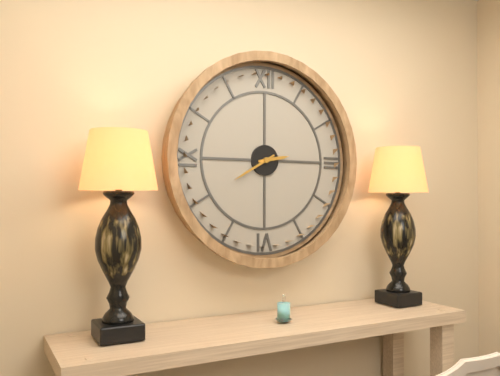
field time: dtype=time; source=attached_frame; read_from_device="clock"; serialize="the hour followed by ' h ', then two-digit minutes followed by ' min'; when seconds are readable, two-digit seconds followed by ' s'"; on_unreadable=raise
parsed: 2 h 40 min
